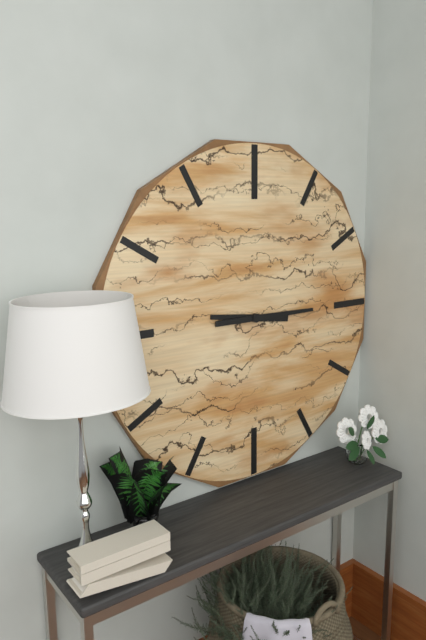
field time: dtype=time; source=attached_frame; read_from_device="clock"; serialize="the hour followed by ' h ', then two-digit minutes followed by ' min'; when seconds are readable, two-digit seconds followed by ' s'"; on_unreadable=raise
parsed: 9 h 15 min
